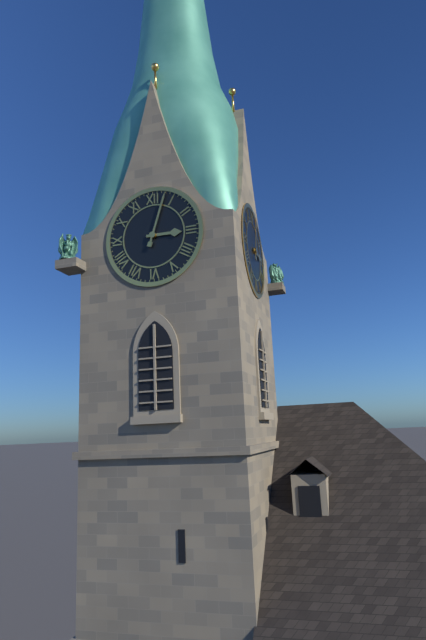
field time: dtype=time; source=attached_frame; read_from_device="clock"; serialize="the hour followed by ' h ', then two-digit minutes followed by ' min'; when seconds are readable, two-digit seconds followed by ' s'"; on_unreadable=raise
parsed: 3 h 03 min
